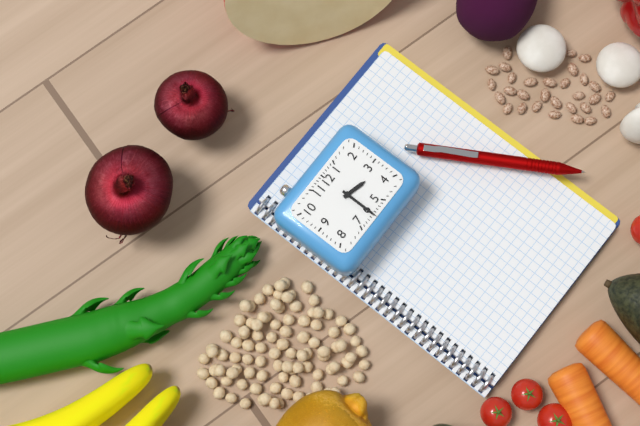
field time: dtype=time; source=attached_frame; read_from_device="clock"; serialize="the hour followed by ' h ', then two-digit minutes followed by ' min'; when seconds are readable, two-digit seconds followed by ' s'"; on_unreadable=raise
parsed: 3 h 30 min
